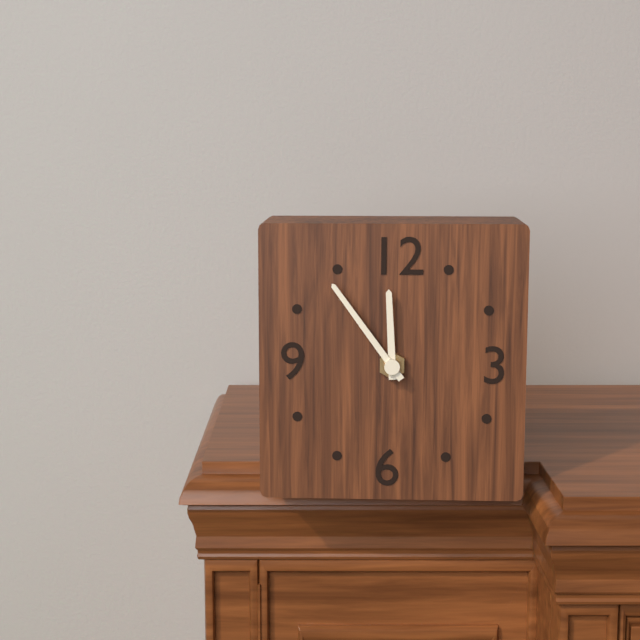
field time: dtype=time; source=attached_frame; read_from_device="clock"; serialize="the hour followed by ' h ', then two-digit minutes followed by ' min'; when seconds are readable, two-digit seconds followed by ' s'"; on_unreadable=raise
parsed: 11 h 54 min
